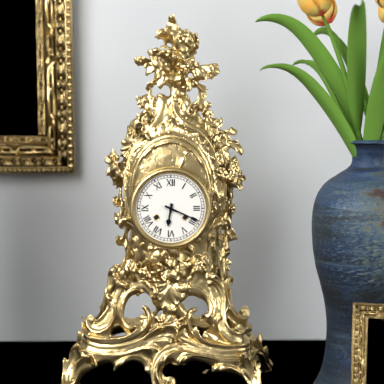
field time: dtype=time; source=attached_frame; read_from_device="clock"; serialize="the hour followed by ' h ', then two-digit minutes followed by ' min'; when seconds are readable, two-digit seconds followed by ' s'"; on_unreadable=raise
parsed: 6 h 19 min
